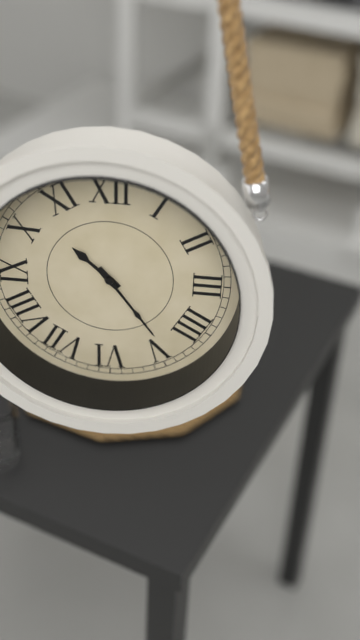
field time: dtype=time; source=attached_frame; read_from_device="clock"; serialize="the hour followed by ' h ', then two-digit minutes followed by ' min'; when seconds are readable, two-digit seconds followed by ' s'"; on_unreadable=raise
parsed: 10 h 24 min
